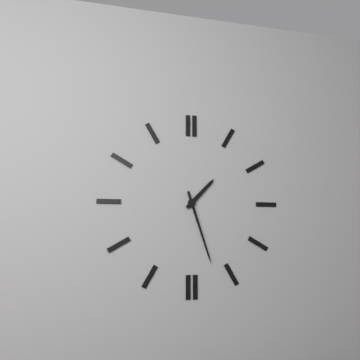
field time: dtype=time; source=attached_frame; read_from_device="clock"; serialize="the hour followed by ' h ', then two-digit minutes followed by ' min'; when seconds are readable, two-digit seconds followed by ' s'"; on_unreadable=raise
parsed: 1 h 27 min
